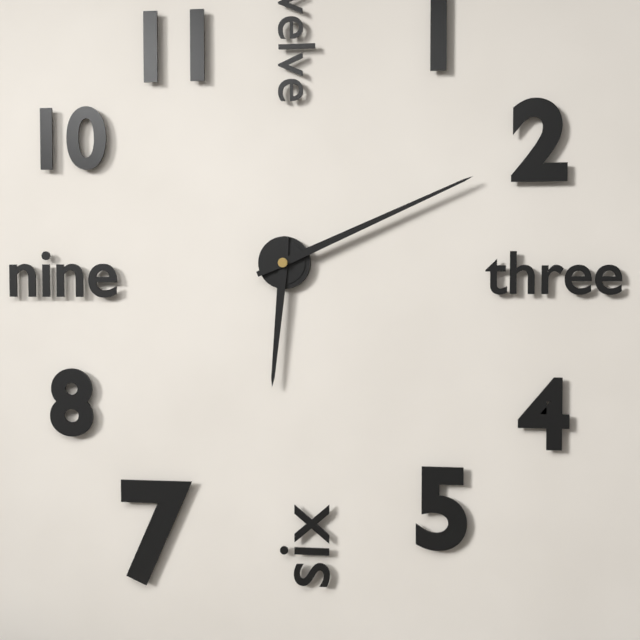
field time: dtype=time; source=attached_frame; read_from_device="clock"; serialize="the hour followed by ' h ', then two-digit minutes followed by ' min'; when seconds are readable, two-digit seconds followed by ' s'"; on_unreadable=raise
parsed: 6 h 11 min
